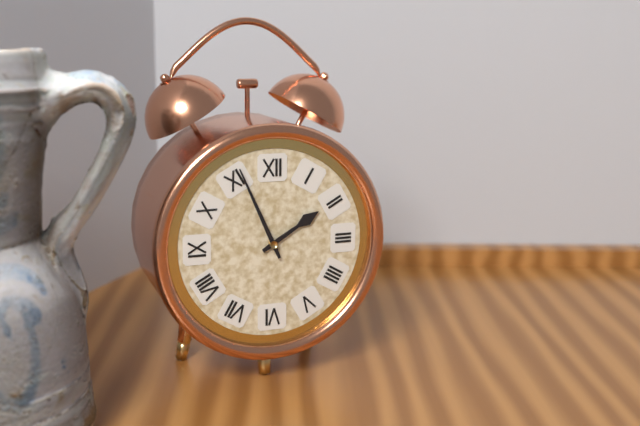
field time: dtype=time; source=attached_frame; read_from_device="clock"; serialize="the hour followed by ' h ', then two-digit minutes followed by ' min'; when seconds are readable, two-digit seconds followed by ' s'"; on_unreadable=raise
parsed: 1 h 56 min
